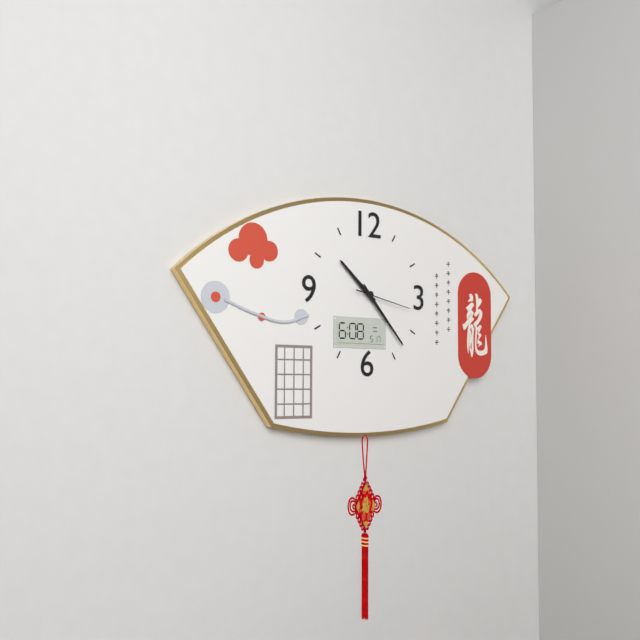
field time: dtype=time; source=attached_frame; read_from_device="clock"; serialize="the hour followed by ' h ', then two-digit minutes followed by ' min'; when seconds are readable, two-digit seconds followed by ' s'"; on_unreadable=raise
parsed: 10 h 23 min 17 s
